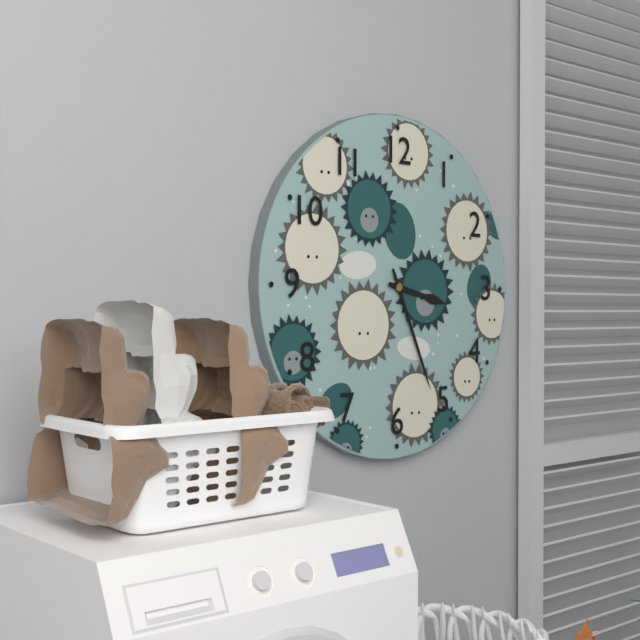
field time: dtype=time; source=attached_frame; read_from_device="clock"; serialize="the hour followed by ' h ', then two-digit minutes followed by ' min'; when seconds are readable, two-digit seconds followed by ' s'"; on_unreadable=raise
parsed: 3 h 26 min
